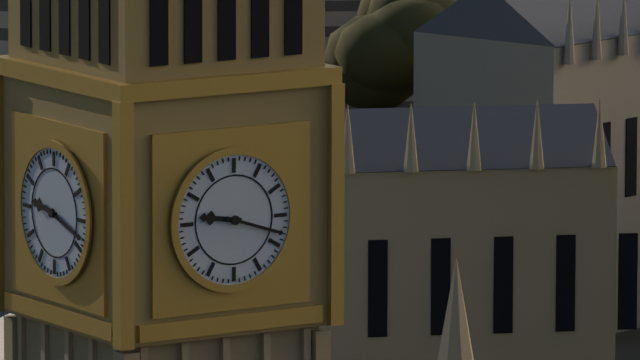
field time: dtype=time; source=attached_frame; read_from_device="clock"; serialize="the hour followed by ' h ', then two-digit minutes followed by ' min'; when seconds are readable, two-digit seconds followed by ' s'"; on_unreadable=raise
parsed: 9 h 18 min
